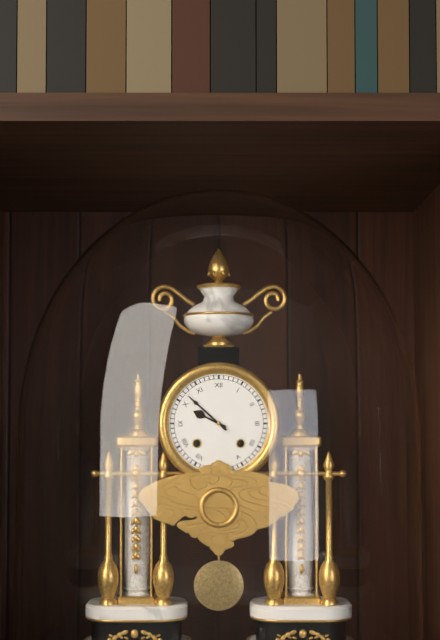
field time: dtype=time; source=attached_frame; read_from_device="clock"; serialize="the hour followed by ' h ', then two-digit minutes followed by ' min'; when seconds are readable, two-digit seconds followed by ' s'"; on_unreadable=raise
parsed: 9 h 52 min
